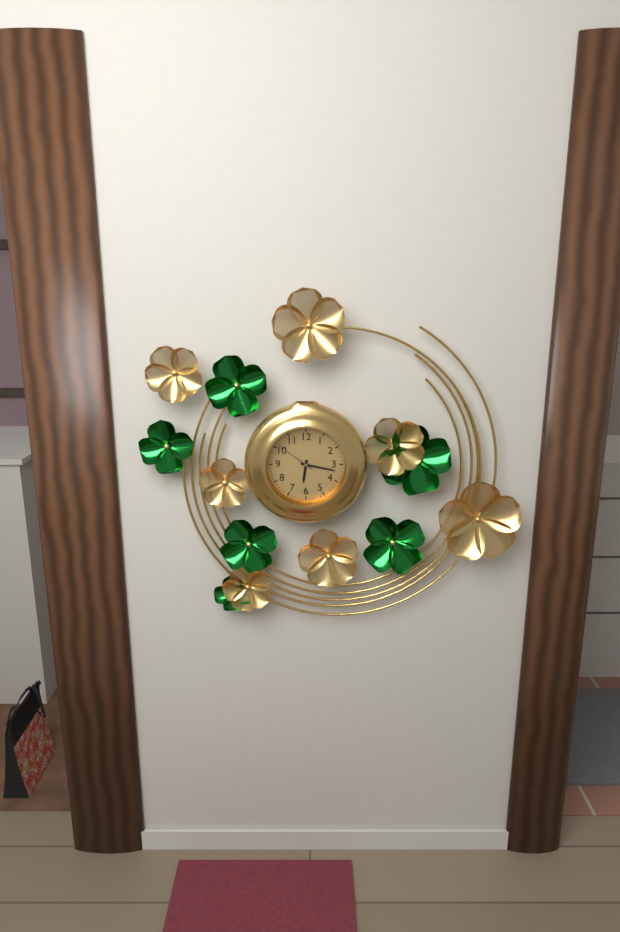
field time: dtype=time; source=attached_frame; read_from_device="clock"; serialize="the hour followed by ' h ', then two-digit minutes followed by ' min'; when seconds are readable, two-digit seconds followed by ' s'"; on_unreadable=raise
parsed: 6 h 17 min
